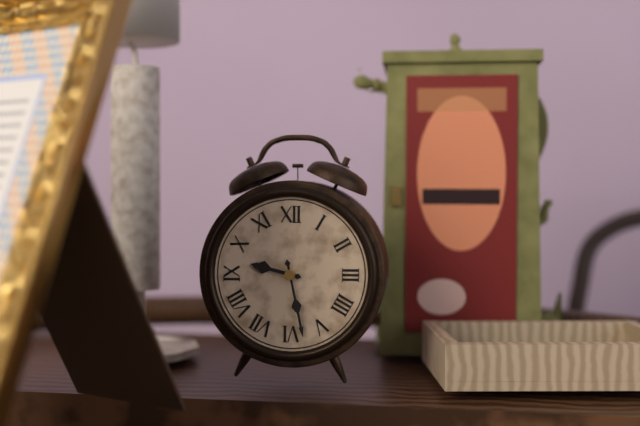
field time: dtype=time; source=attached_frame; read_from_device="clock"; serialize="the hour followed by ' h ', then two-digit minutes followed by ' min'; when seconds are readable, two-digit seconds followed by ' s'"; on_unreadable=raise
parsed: 9 h 28 min
